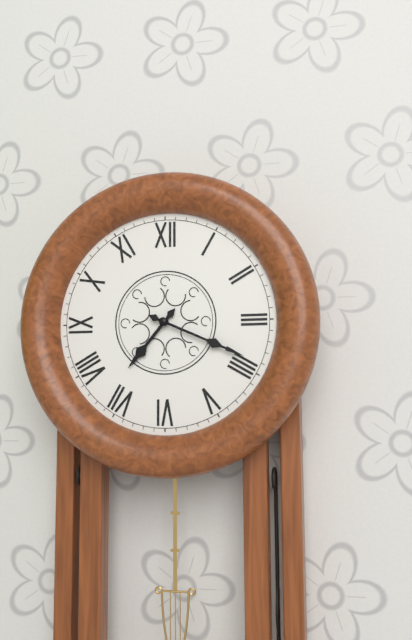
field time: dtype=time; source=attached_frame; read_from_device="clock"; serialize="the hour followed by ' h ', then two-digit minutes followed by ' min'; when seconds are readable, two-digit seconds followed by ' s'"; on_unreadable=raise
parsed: 7 h 19 min
